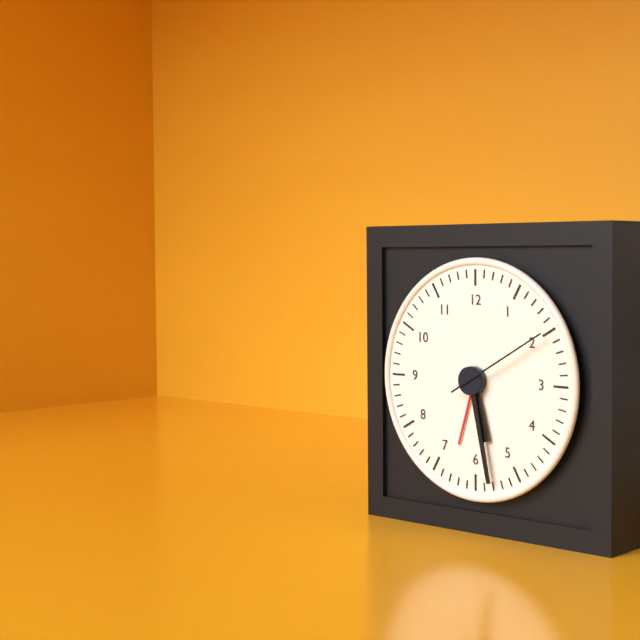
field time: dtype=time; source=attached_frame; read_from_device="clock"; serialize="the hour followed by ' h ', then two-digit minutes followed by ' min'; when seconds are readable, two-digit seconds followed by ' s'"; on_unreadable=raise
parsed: 5 h 28 min 10 s
